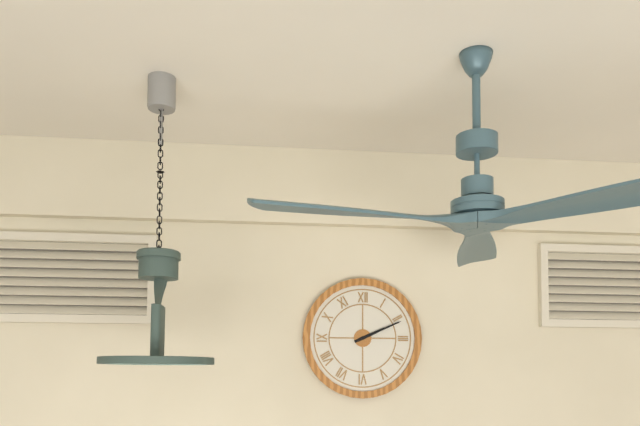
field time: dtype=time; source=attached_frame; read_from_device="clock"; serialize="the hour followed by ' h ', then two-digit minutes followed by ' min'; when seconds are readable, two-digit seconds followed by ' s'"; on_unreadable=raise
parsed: 2 h 11 min
